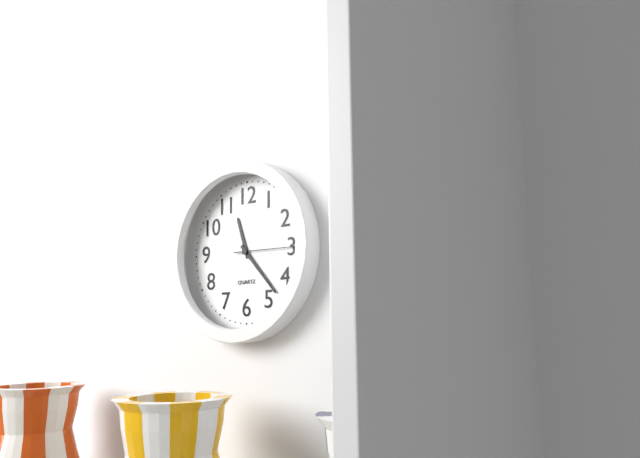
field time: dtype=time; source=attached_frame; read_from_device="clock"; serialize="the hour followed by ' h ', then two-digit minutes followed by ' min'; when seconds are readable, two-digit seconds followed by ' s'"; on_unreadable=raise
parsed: 11 h 23 min 15 s
